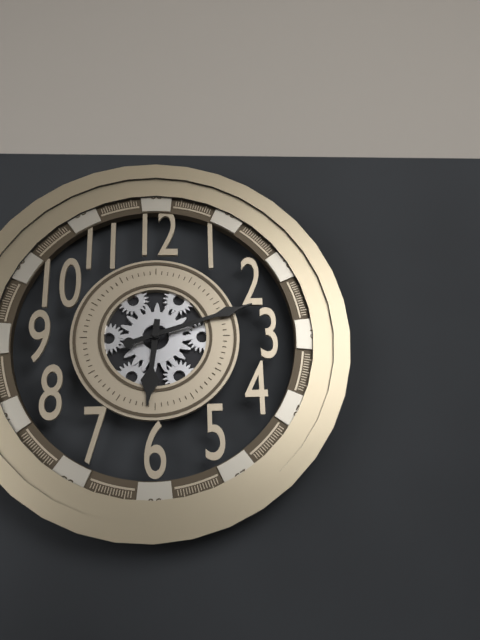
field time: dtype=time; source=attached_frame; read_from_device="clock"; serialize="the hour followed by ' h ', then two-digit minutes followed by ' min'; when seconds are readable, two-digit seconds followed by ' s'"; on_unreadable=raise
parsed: 6 h 12 min
